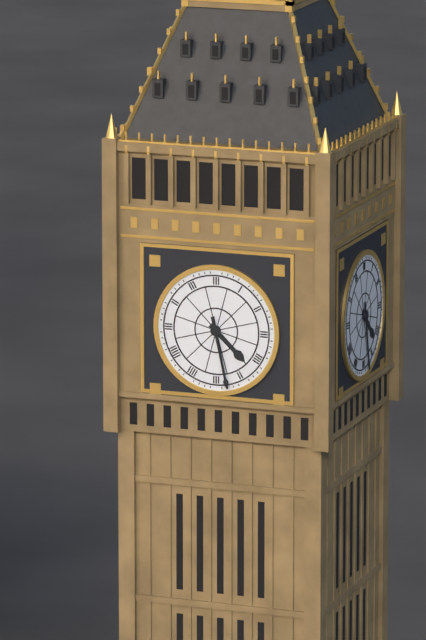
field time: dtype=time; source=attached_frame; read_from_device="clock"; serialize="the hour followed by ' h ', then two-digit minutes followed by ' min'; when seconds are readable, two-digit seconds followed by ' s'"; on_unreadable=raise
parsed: 4 h 28 min
